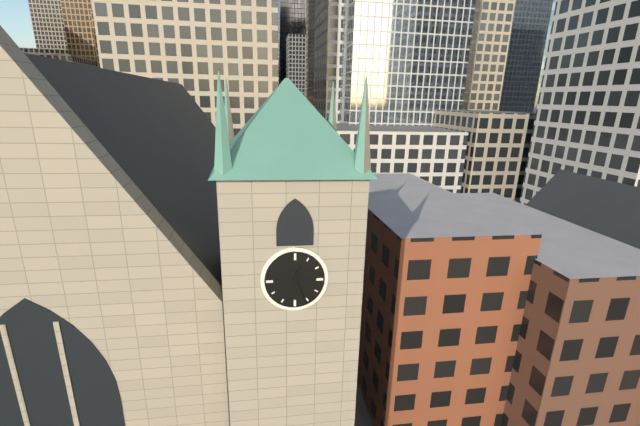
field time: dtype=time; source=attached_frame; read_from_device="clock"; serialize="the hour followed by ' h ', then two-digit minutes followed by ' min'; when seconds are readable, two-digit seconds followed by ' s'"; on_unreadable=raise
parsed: 12 h 26 min
